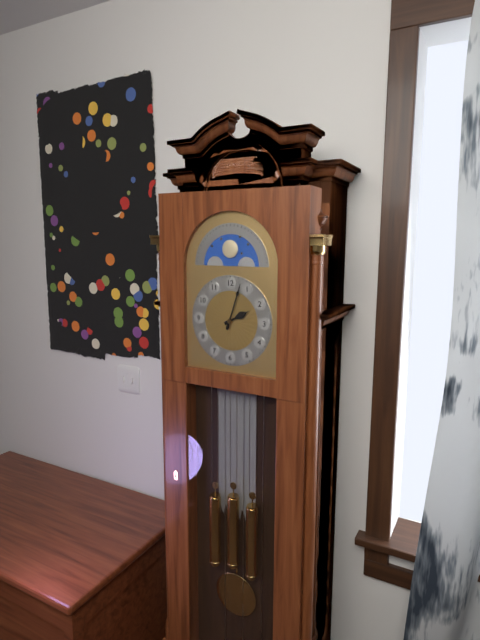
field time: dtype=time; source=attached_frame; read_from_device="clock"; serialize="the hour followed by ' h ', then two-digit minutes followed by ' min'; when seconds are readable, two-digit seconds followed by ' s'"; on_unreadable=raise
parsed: 2 h 03 min
